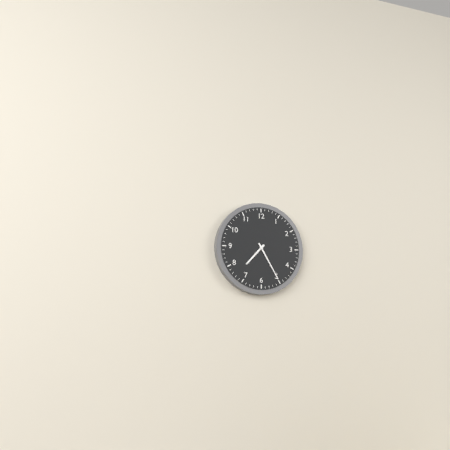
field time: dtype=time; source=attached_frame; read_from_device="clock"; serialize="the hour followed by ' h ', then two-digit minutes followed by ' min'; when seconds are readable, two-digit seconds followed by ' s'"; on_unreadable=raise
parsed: 7 h 25 min
